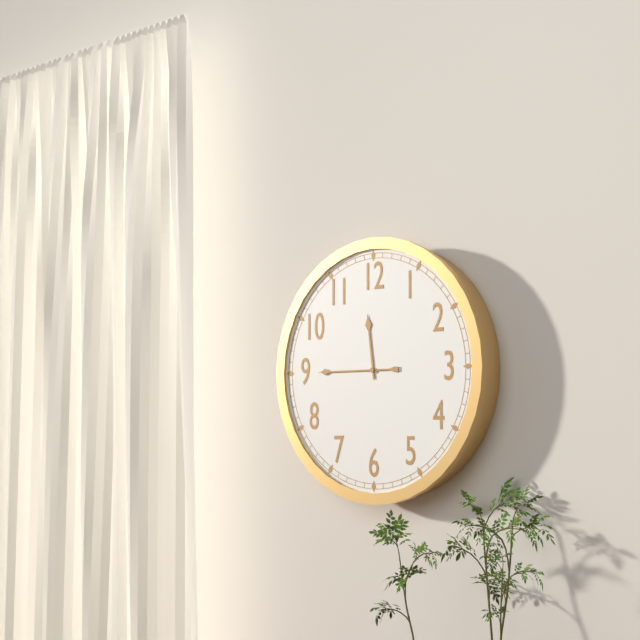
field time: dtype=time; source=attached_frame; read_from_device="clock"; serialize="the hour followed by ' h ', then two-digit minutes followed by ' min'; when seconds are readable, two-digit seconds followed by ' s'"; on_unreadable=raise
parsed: 11 h 45 min
